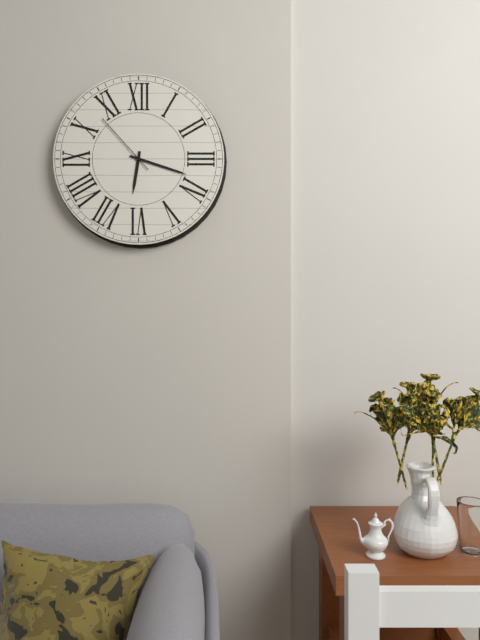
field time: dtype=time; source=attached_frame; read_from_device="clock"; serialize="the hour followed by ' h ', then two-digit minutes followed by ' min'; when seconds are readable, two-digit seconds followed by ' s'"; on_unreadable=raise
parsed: 6 h 18 min 53 s
